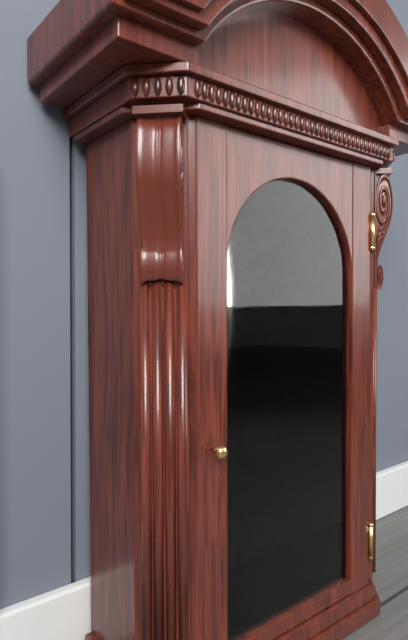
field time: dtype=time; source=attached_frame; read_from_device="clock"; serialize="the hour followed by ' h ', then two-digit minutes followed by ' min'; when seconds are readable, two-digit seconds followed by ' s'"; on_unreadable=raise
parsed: 8 h 48 min
